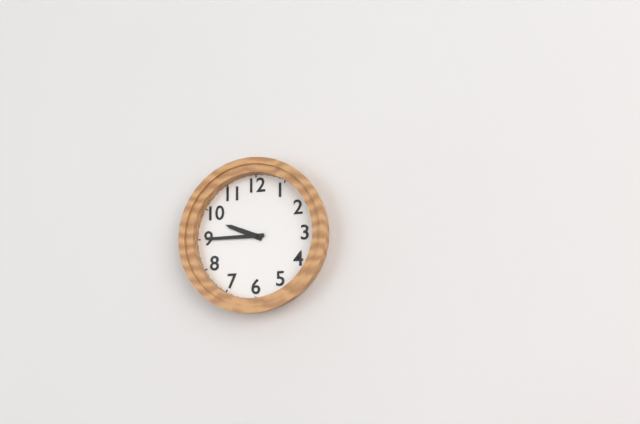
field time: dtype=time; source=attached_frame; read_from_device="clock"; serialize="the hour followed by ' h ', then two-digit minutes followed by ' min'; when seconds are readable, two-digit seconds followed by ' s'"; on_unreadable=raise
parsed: 9 h 45 min
